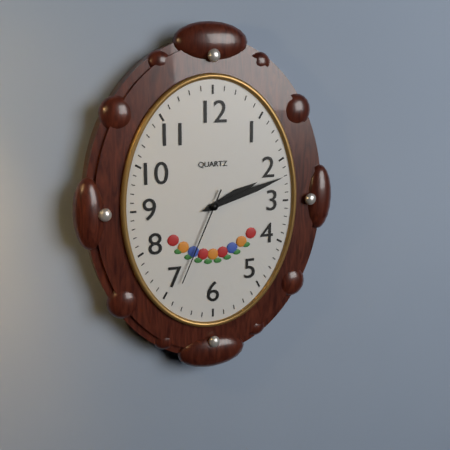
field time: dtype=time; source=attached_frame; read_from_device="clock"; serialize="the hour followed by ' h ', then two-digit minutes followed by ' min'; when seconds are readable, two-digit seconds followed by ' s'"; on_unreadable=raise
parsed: 2 h 12 min 34 s
